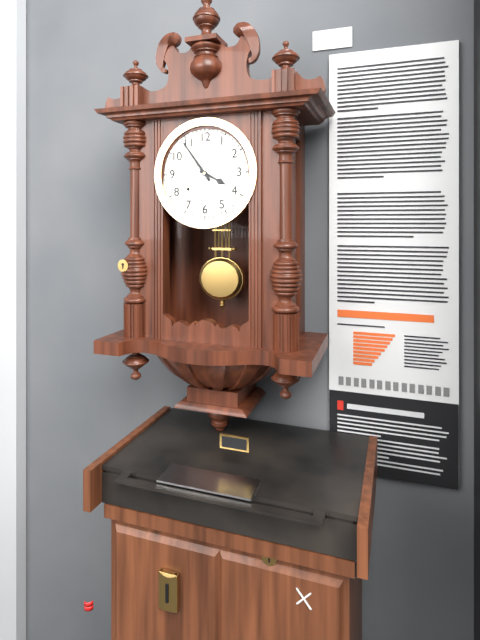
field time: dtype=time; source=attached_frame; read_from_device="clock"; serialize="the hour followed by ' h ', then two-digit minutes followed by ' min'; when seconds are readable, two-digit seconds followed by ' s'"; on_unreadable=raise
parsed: 3 h 54 min
